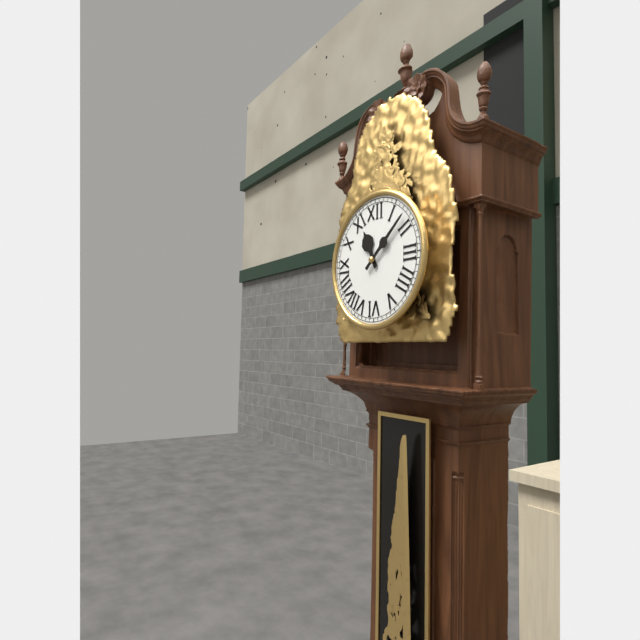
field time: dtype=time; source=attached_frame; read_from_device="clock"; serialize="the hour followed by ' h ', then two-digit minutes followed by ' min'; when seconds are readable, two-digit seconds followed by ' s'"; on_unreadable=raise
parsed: 11 h 08 min
